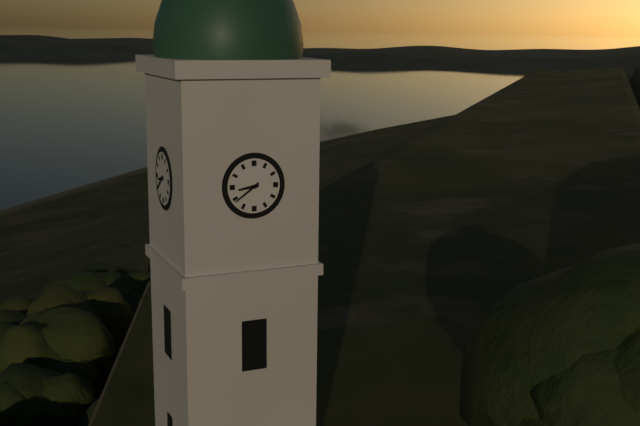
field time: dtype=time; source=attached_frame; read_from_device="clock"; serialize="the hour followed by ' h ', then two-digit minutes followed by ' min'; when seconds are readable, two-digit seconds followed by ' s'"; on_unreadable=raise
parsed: 8 h 39 min
